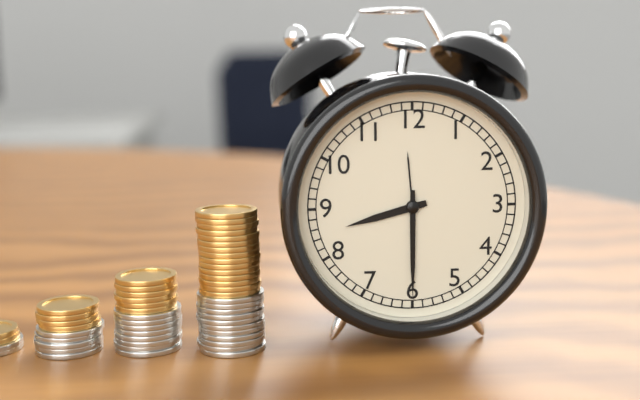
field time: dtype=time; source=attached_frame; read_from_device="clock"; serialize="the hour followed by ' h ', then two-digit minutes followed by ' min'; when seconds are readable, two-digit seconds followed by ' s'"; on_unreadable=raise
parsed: 8 h 30 min
